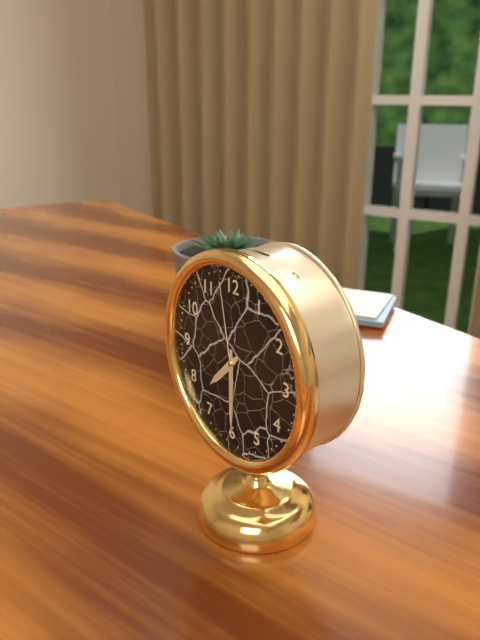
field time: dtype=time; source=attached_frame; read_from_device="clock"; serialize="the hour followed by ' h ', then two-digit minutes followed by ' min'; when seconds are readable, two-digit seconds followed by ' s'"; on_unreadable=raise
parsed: 7 h 30 min 58 s
